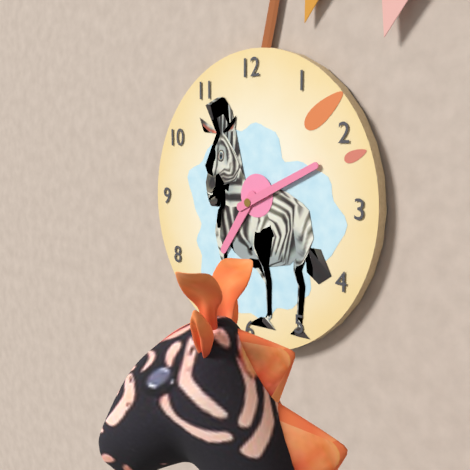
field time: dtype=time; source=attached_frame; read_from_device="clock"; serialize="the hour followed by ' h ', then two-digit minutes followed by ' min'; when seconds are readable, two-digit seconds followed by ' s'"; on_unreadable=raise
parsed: 7 h 11 min
